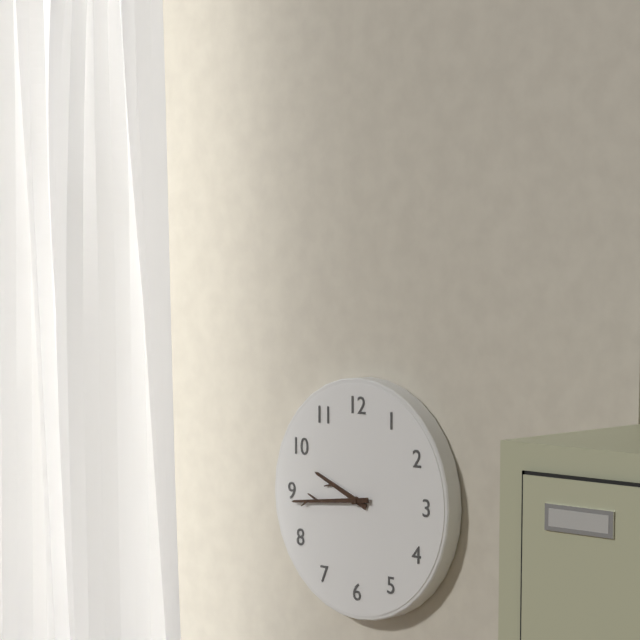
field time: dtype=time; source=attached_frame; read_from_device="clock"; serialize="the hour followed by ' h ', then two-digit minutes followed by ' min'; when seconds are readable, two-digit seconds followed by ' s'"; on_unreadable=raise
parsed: 9 h 44 min
